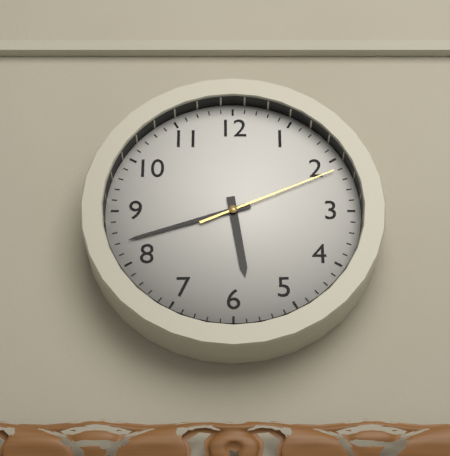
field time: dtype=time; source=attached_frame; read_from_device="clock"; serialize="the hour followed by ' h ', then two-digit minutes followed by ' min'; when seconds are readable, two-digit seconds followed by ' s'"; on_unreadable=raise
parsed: 5 h 42 min 11 s
